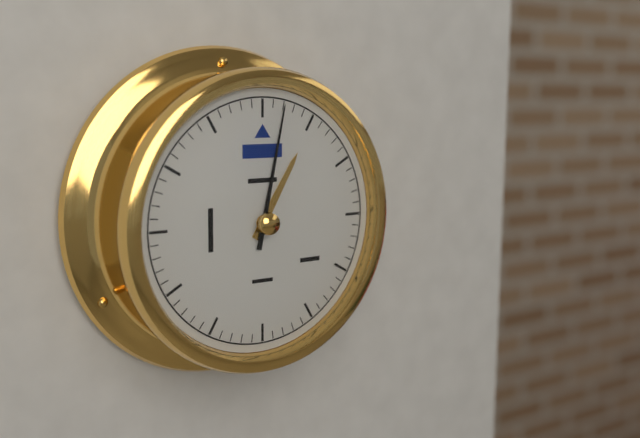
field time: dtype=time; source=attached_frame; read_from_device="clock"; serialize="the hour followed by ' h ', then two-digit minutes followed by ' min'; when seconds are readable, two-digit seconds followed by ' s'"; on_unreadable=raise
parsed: 1 h 02 min
